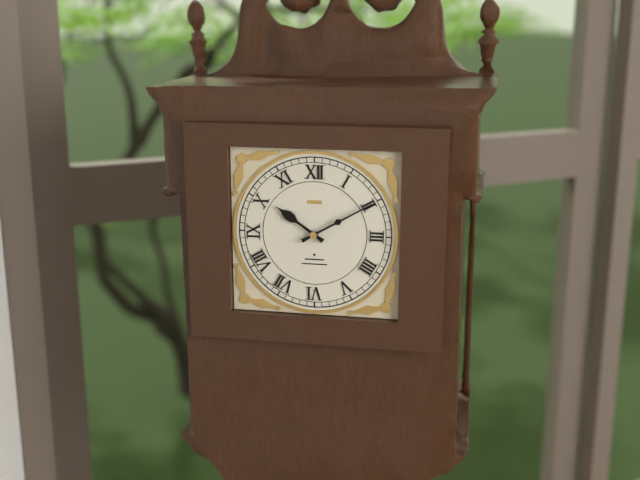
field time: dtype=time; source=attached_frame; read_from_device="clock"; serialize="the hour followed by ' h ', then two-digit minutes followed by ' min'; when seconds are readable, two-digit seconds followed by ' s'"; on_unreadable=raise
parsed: 10 h 10 min
